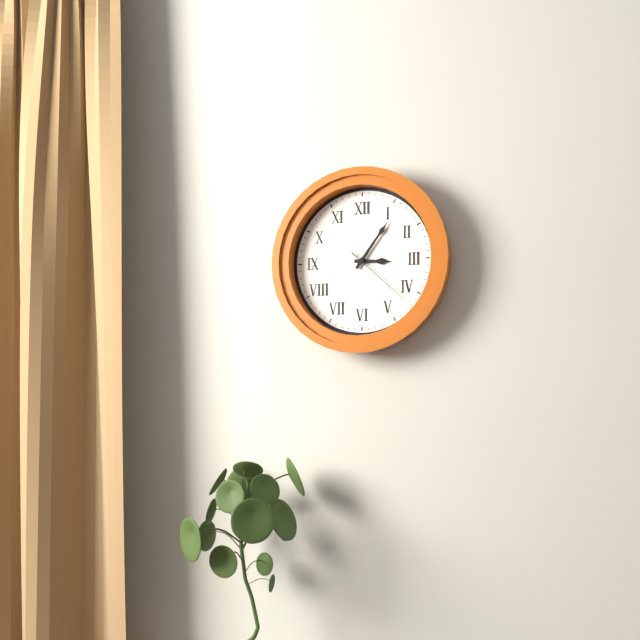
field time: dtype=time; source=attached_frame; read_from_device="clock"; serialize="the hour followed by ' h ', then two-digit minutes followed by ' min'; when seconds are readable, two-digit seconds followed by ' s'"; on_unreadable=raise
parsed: 3 h 06 min 22 s
